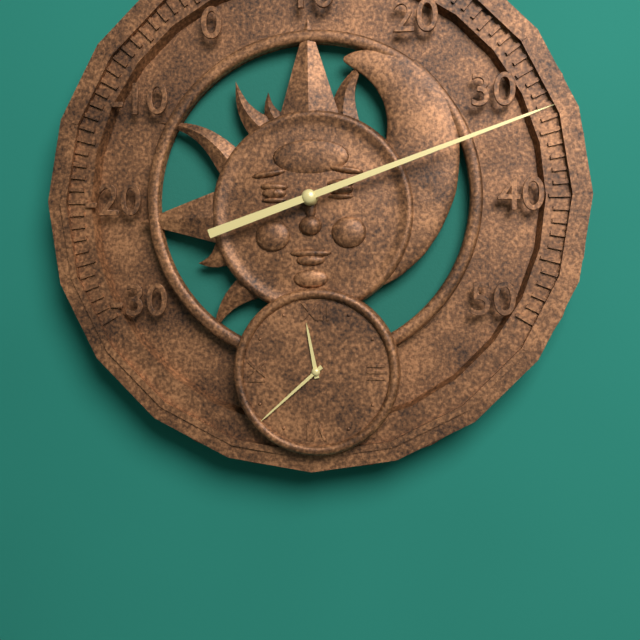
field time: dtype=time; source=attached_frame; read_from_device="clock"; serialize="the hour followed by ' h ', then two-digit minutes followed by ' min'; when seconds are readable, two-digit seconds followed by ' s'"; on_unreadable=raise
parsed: 11 h 38 min
